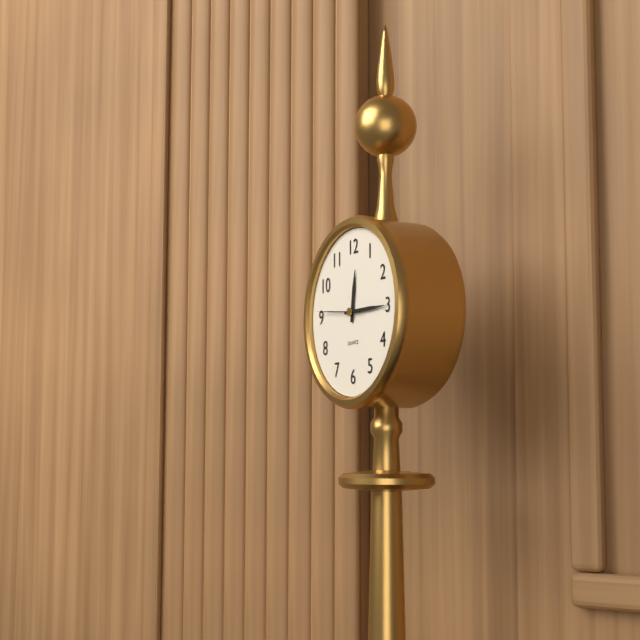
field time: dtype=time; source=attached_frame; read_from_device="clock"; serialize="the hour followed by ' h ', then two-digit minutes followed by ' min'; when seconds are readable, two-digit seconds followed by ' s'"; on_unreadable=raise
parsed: 12 h 15 min
